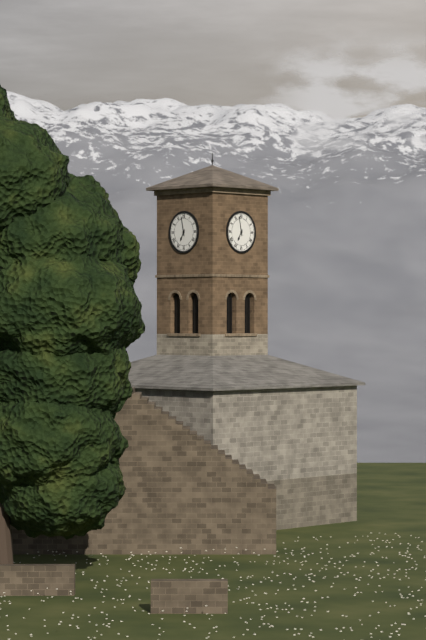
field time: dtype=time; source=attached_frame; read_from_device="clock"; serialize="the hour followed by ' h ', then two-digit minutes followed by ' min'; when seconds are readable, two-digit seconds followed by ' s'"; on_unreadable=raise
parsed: 6 h 58 min
